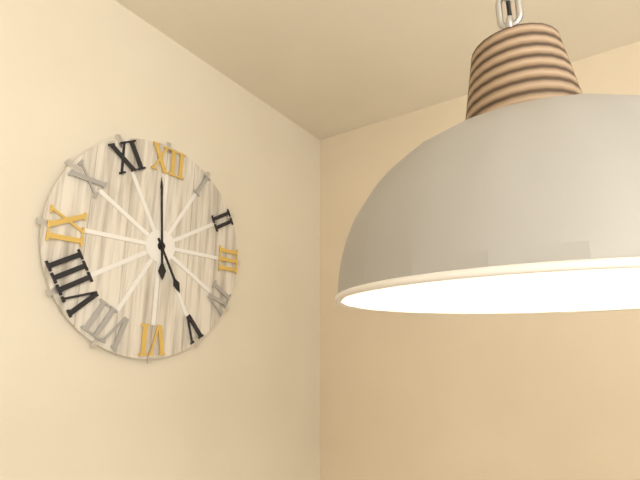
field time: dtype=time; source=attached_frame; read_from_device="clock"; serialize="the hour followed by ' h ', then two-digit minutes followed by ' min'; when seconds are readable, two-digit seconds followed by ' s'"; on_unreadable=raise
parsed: 4 h 59 min
